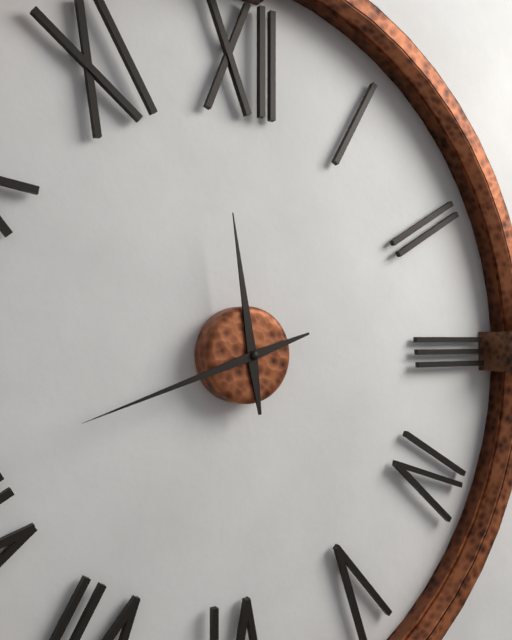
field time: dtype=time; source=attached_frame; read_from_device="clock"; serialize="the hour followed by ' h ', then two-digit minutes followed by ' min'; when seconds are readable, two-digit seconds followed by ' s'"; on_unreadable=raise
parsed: 11 h 42 min
